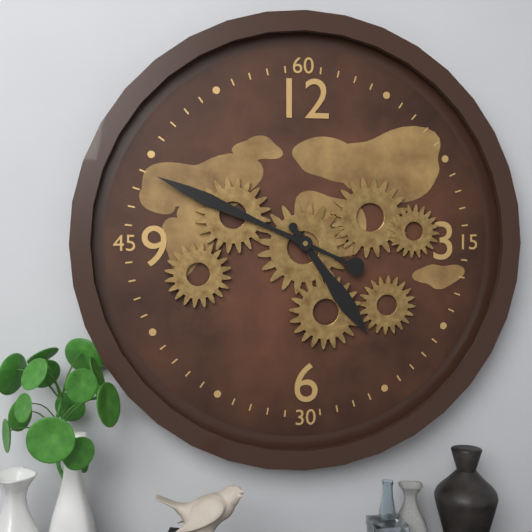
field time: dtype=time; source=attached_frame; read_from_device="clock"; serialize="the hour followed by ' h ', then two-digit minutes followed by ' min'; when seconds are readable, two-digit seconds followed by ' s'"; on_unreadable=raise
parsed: 4 h 49 min
